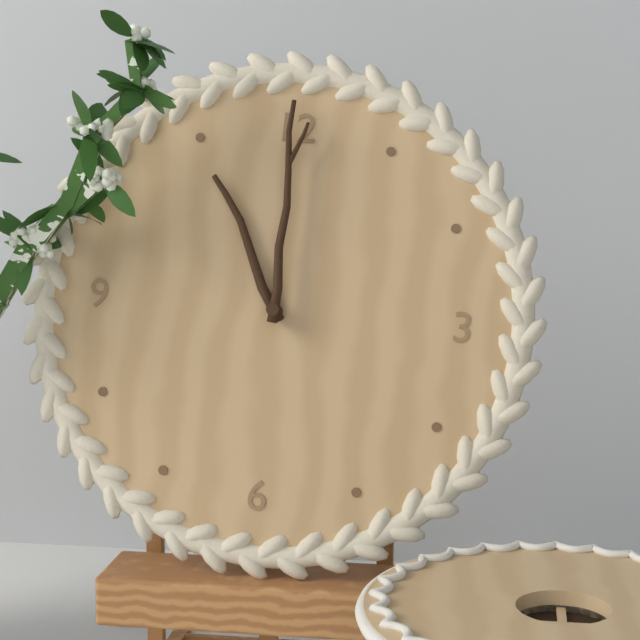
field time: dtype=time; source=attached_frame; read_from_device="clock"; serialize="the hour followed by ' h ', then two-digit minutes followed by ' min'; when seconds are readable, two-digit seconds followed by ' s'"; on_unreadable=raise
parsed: 11 h 00 min
